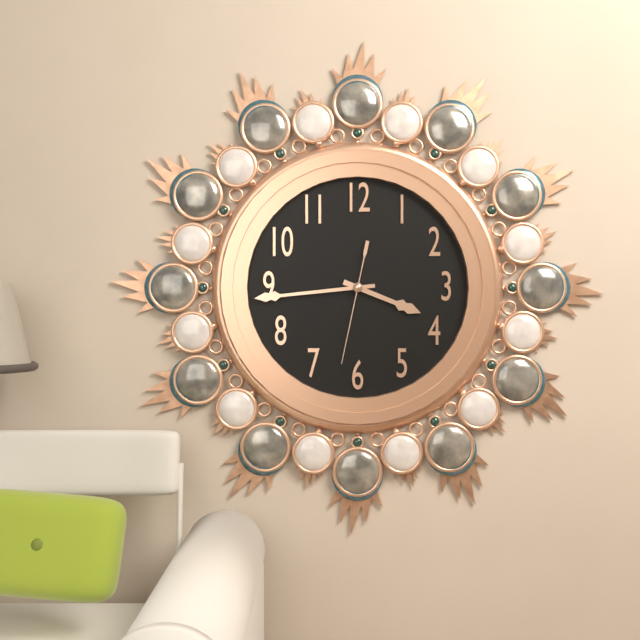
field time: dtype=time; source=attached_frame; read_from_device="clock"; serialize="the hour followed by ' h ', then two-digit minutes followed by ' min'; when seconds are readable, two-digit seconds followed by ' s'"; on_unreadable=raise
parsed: 3 h 44 min 32 s
